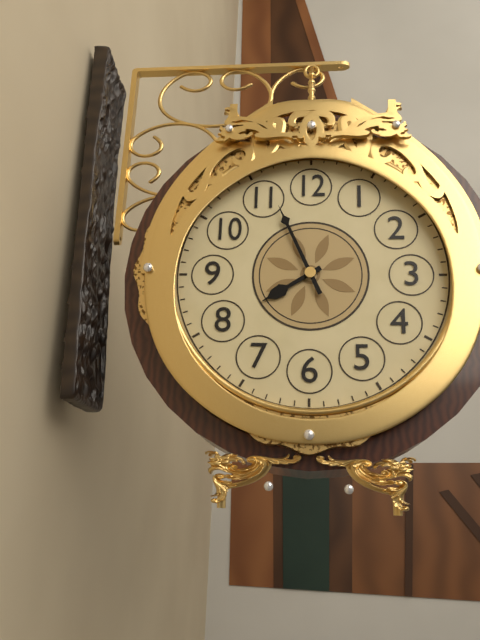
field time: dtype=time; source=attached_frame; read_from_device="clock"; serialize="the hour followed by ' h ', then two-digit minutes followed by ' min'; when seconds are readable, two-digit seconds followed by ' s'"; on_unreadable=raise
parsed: 7 h 56 min
